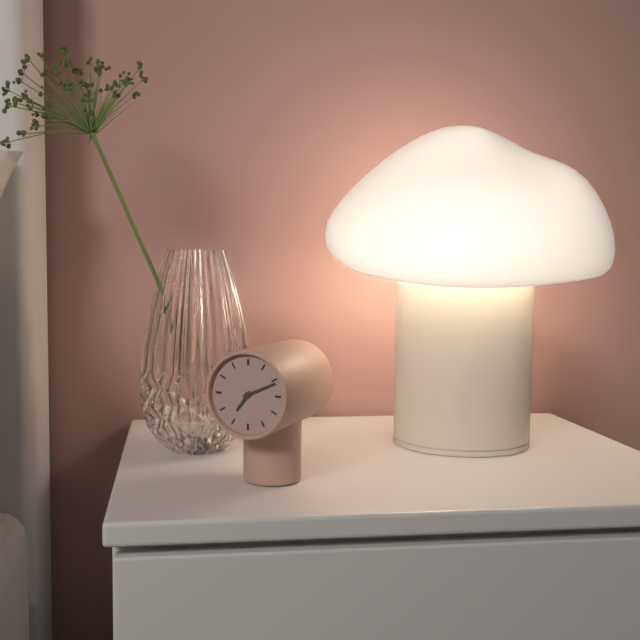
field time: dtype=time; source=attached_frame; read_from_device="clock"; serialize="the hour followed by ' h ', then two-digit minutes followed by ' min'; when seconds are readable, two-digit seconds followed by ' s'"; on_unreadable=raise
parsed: 7 h 11 min
